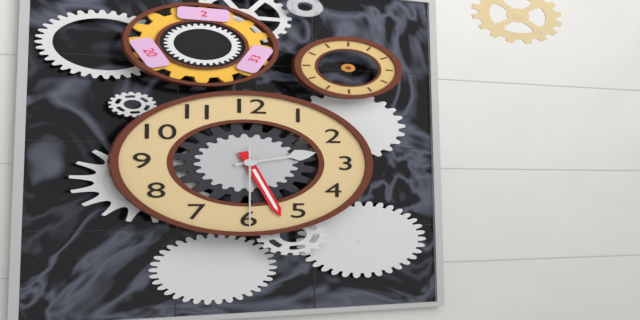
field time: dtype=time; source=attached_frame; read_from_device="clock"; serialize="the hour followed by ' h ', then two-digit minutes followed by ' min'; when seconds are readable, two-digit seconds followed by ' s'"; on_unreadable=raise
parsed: 2 h 27 min 30 s
